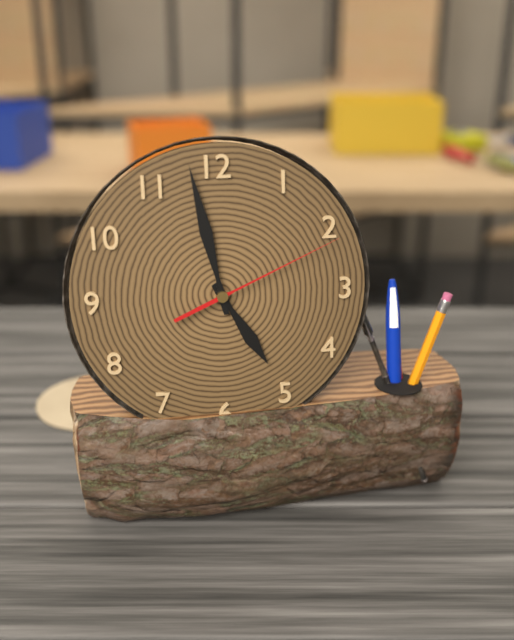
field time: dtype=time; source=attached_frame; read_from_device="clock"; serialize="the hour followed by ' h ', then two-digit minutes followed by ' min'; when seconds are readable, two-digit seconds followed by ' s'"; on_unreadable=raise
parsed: 4 h 58 min 11 s
